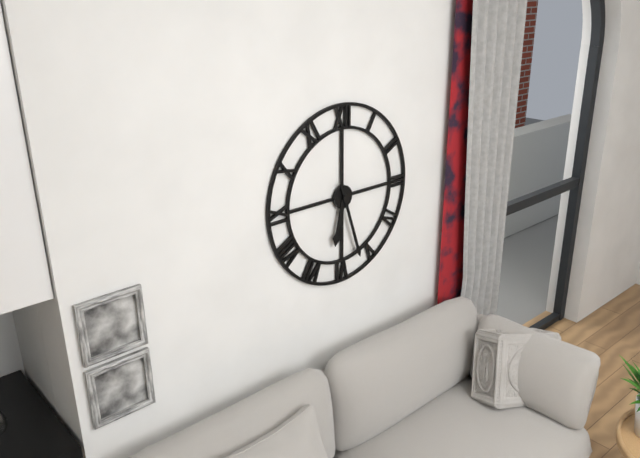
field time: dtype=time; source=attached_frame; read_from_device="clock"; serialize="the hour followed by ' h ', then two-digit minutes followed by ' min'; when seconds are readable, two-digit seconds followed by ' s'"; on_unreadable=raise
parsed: 6 h 27 min
